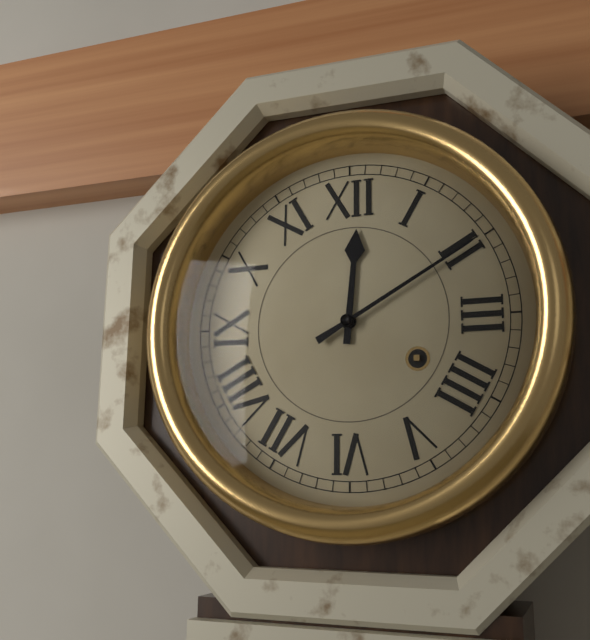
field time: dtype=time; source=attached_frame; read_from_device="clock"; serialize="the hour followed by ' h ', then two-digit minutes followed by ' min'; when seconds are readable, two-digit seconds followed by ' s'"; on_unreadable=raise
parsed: 12 h 10 min
